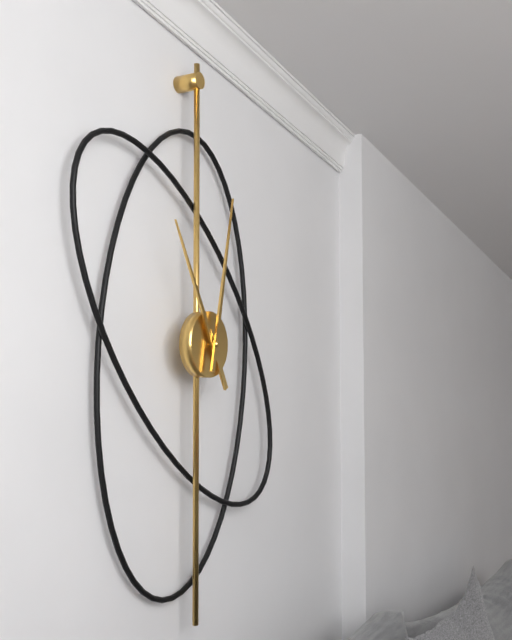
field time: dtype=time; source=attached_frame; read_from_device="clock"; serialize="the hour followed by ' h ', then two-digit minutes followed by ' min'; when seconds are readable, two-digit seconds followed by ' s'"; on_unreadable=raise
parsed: 11 h 02 min
